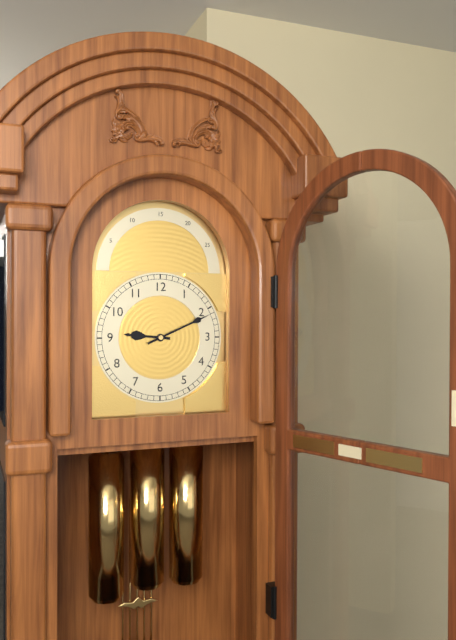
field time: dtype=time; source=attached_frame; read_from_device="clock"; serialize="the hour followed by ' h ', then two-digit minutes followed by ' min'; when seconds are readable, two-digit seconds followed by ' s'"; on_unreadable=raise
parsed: 9 h 11 min
